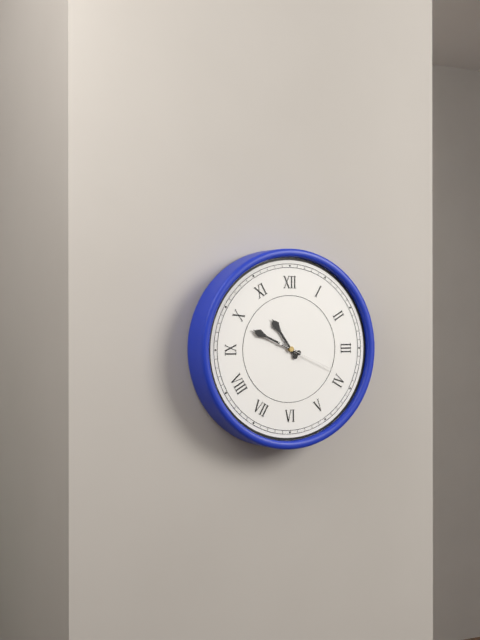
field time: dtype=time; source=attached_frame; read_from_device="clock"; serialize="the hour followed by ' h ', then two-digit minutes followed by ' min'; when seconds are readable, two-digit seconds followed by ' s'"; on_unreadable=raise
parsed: 10 h 49 min 19 s
